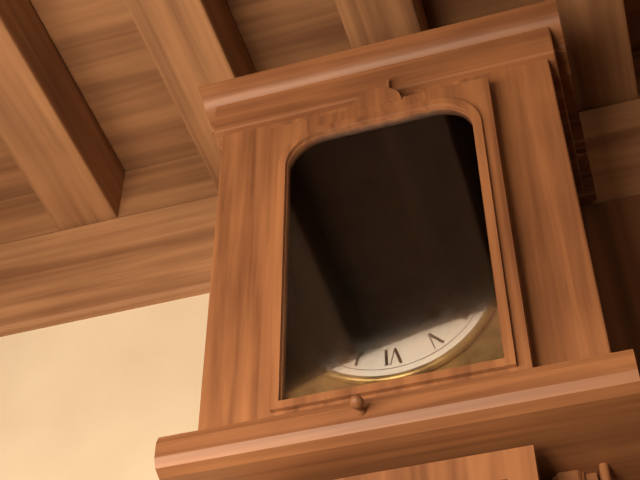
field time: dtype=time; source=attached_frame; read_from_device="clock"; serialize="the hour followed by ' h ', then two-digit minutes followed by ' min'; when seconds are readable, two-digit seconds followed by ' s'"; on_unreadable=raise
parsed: 7 h 08 min
